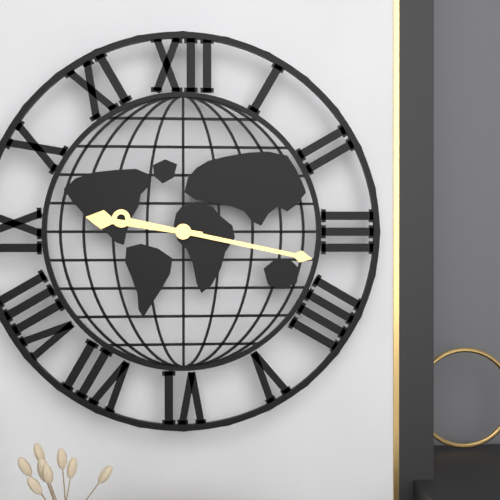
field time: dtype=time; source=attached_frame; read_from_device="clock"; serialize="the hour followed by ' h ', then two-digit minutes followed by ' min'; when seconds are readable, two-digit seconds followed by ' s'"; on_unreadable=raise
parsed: 9 h 17 min
